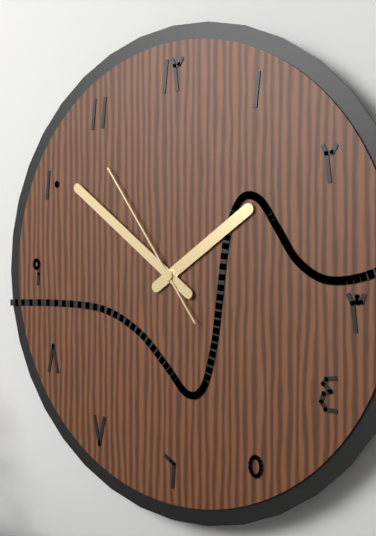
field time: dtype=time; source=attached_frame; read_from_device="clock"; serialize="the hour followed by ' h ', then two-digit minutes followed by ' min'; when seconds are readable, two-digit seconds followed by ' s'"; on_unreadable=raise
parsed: 1 h 51 min 54 s
